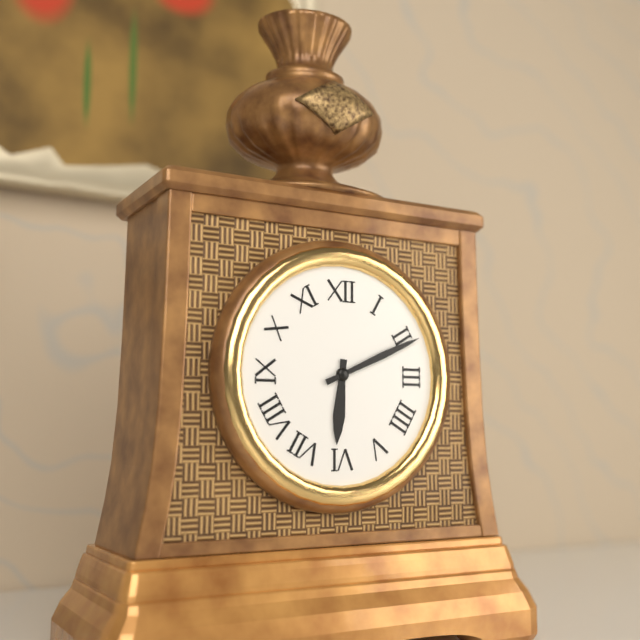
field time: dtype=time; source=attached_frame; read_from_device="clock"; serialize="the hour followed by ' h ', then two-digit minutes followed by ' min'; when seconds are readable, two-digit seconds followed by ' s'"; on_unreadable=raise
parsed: 6 h 11 min
